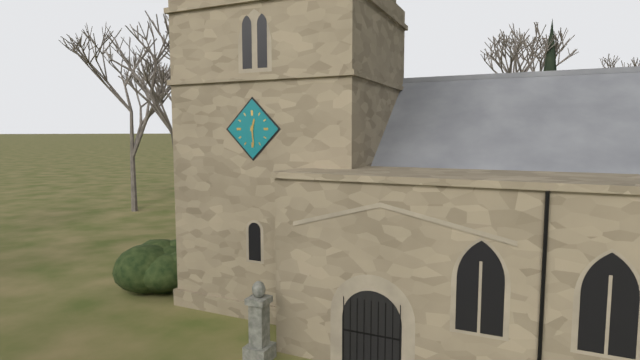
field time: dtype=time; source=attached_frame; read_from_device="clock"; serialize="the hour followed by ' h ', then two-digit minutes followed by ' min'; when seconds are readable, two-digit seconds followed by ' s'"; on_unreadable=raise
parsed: 12 h 29 min
